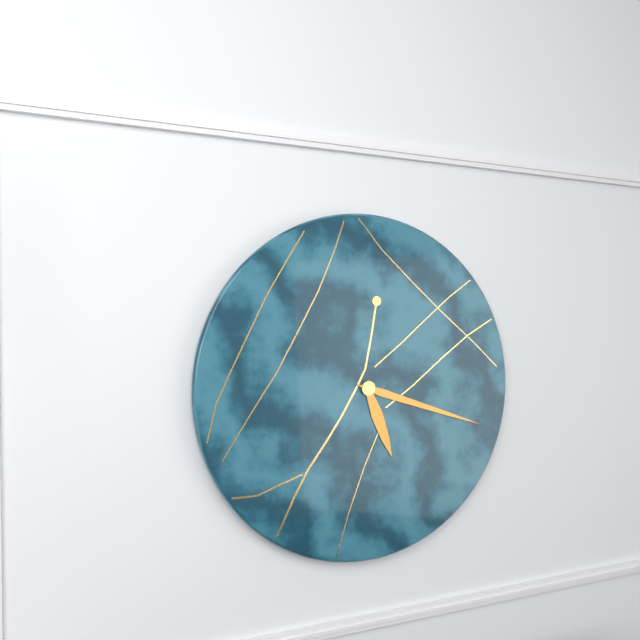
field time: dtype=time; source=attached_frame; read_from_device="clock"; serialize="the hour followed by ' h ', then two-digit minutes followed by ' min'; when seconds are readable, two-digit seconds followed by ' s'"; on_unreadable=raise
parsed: 5 h 18 min
